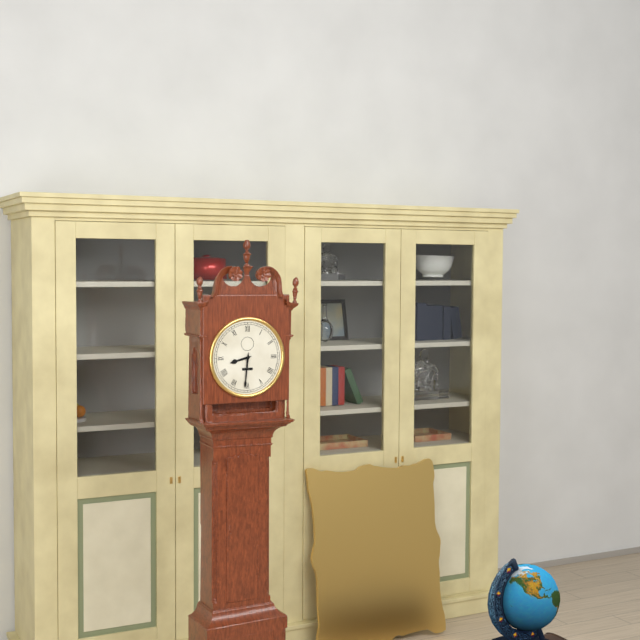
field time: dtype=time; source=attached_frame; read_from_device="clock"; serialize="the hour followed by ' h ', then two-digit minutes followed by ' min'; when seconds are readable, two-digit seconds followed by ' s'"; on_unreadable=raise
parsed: 8 h 31 min
